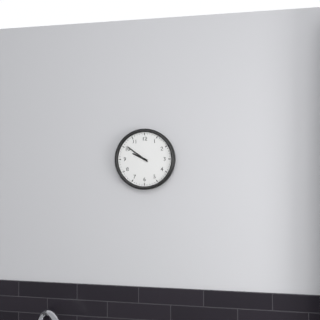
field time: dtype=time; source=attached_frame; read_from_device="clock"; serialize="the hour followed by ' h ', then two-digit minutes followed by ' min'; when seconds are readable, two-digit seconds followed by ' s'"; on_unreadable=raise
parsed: 9 h 51 min
